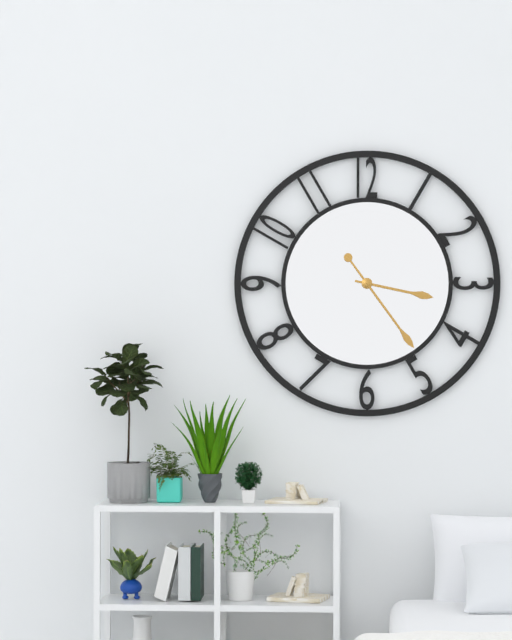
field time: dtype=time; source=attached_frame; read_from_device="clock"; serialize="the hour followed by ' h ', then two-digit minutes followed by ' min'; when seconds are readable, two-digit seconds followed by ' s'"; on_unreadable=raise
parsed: 3 h 24 min
